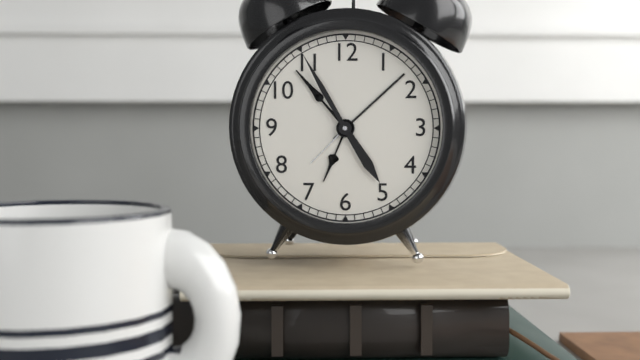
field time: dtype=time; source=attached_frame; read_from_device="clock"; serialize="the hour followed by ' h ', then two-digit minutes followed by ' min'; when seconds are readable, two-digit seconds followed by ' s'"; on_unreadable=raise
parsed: 4 h 55 min
